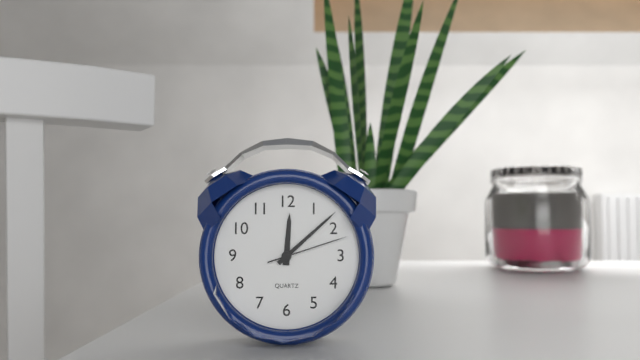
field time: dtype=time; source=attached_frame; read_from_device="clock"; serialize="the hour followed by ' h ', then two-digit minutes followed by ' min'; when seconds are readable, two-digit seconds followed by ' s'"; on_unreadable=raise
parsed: 12 h 08 min 12 s
